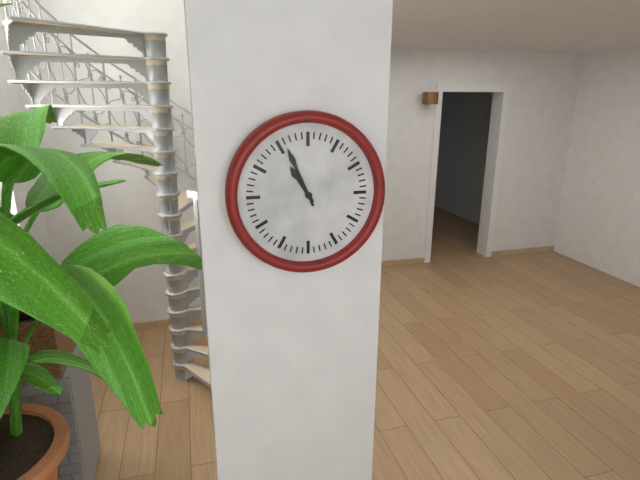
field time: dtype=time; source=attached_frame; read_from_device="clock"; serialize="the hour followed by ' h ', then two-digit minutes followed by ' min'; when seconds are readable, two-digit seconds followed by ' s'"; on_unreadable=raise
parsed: 10 h 56 min
